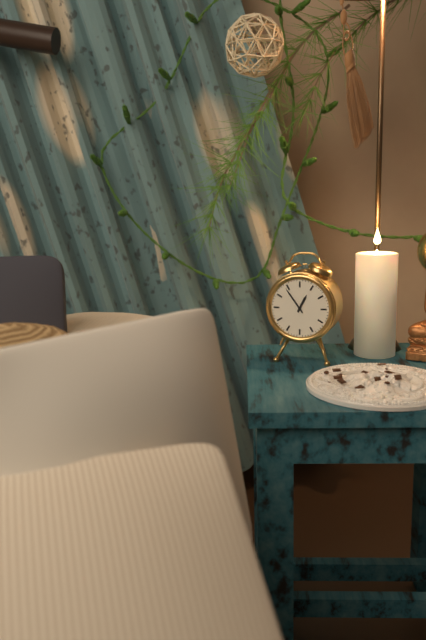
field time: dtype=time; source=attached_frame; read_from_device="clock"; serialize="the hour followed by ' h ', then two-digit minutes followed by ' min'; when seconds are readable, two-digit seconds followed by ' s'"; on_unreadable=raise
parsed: 12 h 54 min
